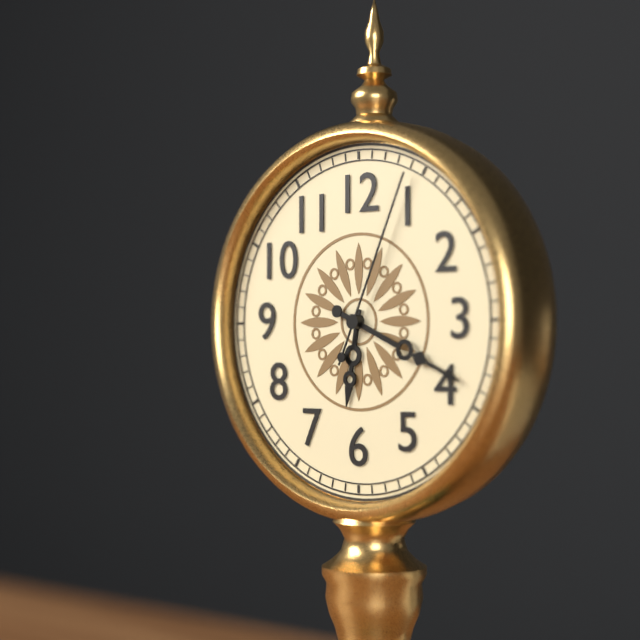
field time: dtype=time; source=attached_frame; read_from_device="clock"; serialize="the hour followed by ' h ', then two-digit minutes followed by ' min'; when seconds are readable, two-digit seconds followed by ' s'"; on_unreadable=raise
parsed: 6 h 19 min 04 s
